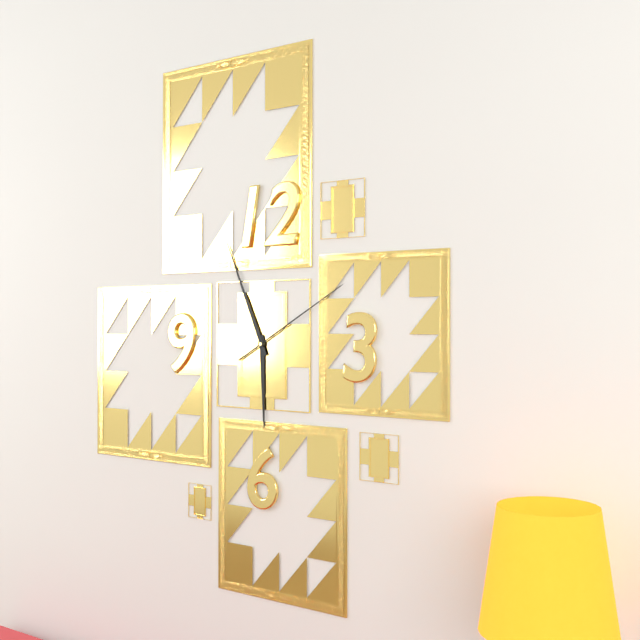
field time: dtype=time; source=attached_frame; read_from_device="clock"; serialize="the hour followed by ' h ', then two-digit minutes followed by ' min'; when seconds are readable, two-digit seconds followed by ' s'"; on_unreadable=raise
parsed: 5 h 56 min 10 s
